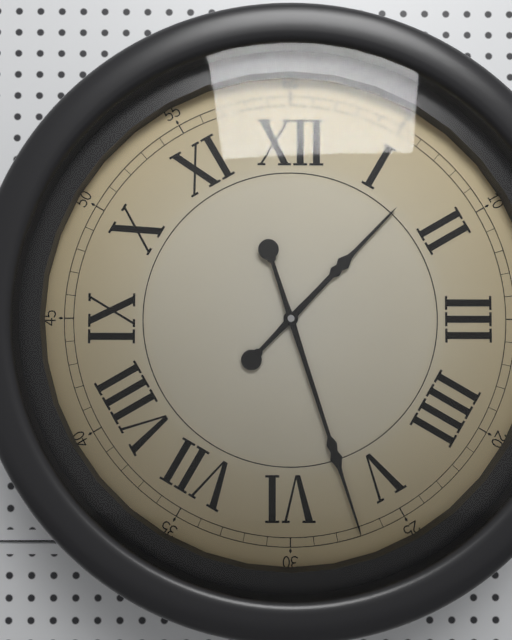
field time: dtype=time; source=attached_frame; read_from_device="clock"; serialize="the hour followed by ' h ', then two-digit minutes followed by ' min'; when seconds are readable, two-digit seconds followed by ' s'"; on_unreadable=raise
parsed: 1 h 27 min
